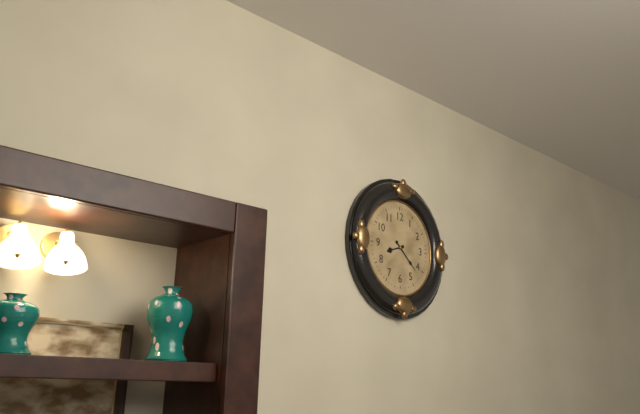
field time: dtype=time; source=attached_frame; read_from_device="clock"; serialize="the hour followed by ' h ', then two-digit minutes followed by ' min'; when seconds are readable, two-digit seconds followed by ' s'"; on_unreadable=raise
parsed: 8 h 22 min
